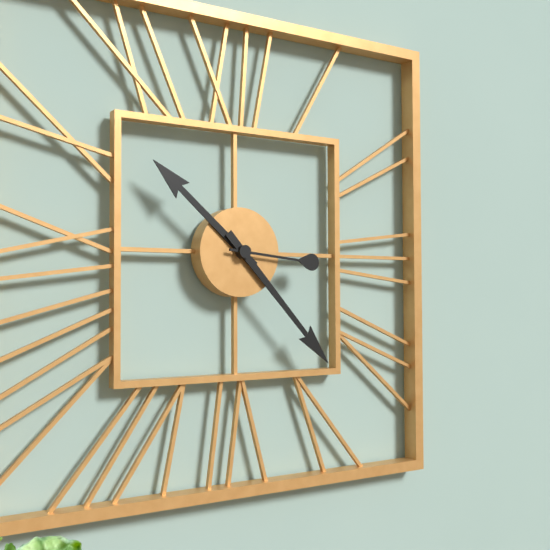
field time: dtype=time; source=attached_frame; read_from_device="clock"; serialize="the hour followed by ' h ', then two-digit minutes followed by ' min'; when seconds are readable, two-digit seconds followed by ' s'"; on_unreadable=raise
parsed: 10 h 23 min 16 s
